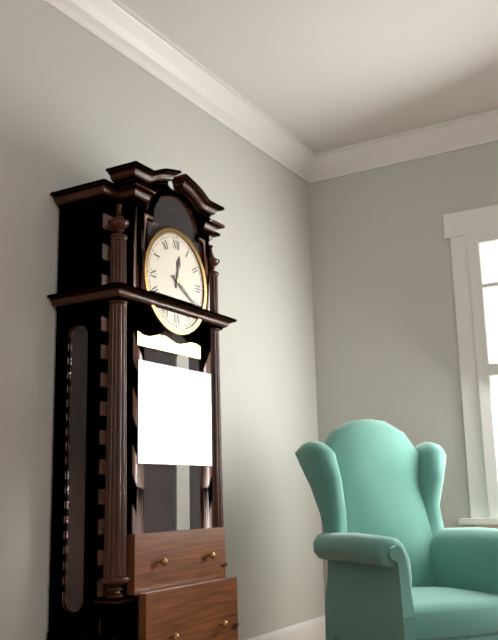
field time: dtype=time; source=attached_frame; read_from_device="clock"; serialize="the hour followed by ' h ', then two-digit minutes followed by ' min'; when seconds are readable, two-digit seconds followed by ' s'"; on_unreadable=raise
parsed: 12 h 20 min
